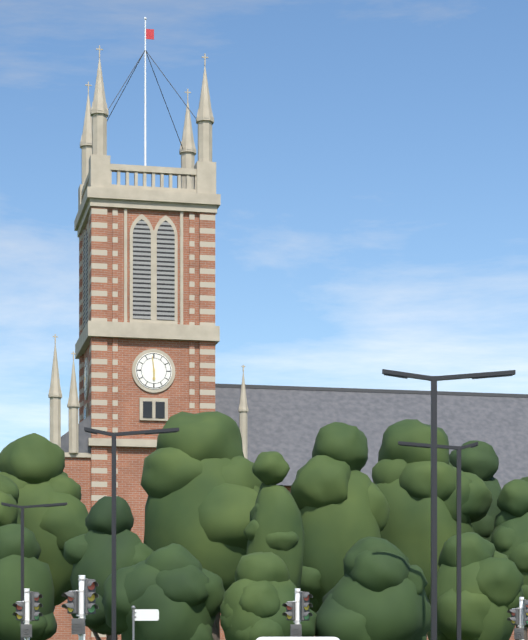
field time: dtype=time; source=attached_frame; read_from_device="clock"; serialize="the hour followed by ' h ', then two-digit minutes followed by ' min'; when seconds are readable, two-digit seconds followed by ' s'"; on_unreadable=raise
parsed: 5 h 59 min
